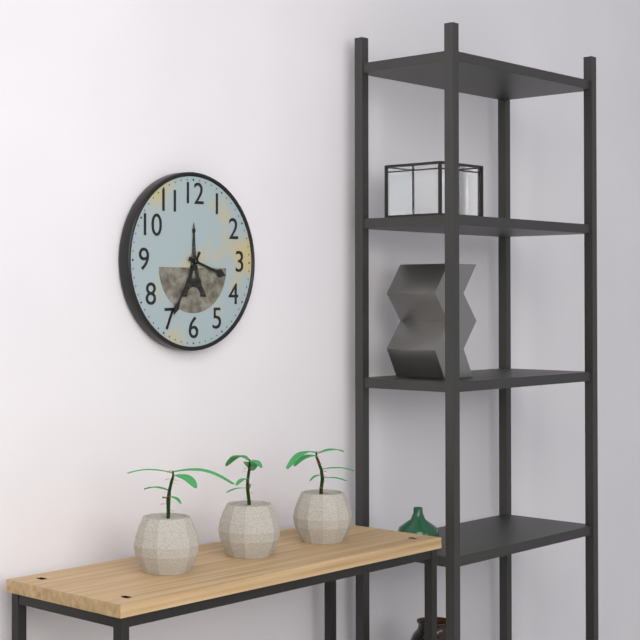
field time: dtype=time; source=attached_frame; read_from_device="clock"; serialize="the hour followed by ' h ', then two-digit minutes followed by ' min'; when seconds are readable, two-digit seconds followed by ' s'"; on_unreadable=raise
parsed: 3 h 35 min
